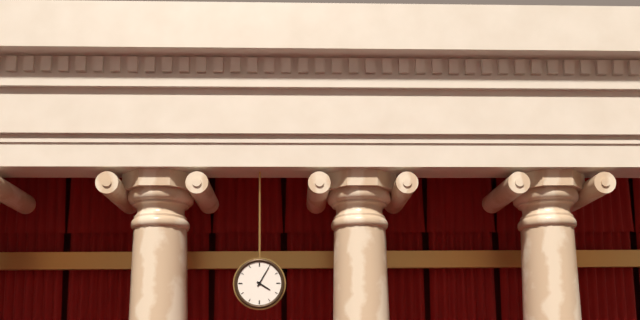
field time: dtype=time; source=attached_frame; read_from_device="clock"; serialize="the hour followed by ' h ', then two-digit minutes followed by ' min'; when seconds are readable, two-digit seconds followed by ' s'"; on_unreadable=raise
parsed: 4 h 05 min
